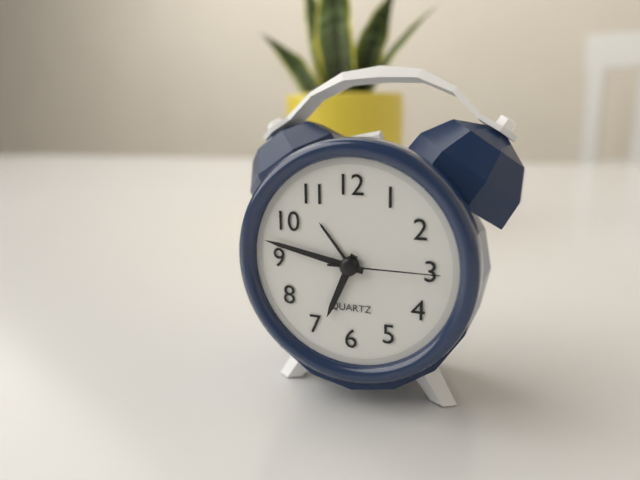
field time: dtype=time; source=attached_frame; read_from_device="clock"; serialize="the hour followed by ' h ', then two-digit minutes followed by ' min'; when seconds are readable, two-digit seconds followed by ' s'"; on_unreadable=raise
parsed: 6 h 47 min 15 s
